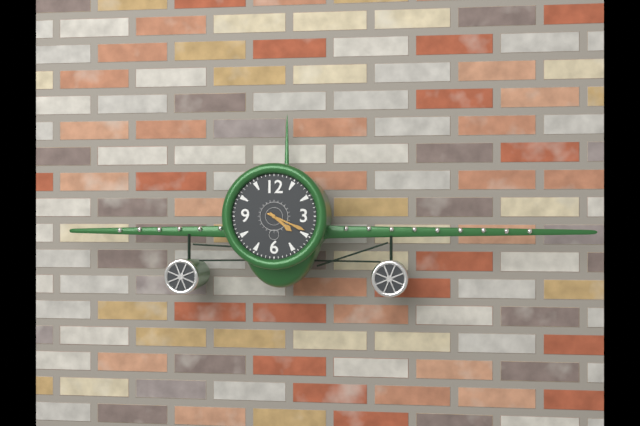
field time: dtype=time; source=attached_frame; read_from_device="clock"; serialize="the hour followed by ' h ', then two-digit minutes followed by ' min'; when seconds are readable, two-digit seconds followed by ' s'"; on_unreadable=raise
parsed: 4 h 19 min
